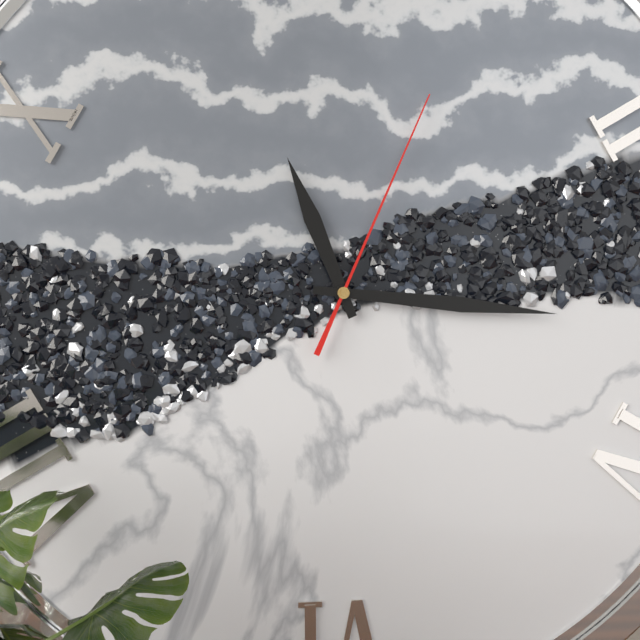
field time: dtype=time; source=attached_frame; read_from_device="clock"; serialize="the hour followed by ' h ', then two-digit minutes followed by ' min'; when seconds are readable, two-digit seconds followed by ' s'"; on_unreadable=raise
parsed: 11 h 16 min 04 s
